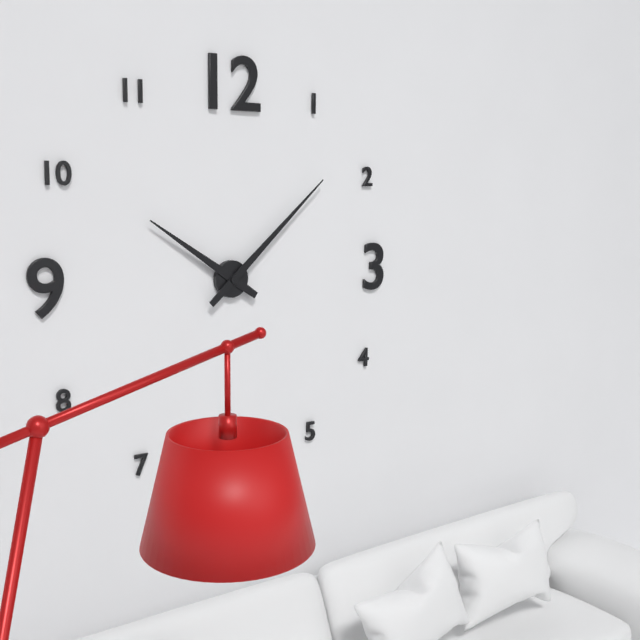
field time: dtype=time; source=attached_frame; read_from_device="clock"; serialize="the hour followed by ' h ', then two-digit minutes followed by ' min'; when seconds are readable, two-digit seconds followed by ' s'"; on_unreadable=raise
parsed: 10 h 08 min
